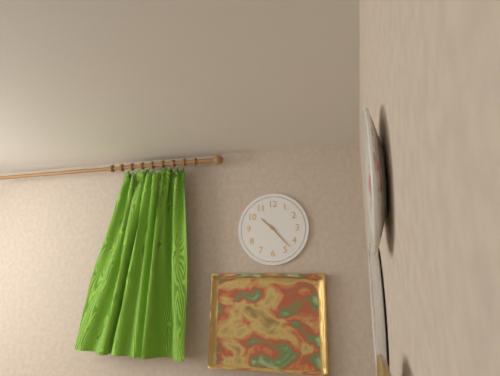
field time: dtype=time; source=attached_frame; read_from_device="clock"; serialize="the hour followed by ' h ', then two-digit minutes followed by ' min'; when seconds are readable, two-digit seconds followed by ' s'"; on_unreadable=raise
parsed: 10 h 23 min
